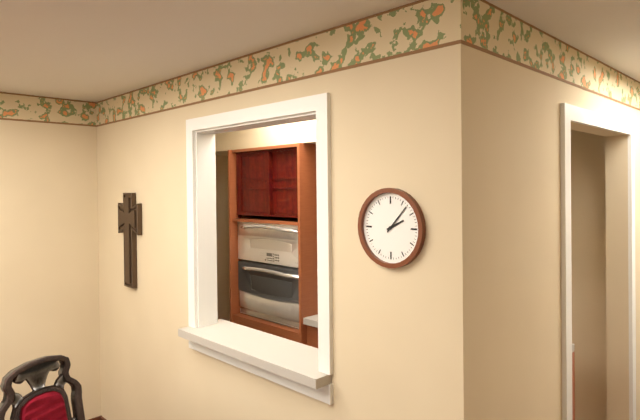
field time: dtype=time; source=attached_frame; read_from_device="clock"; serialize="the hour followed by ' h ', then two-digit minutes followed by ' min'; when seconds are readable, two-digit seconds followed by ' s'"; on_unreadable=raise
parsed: 2 h 07 min
